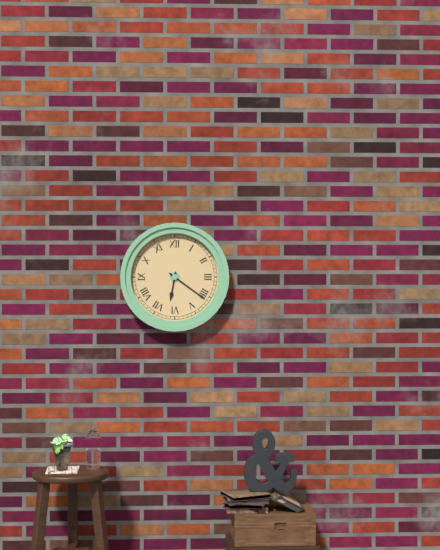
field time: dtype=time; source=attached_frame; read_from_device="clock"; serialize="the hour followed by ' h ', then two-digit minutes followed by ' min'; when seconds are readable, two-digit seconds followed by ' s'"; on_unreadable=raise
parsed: 6 h 21 min
